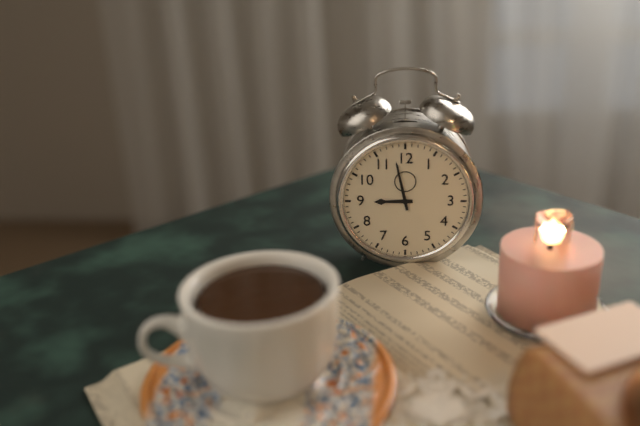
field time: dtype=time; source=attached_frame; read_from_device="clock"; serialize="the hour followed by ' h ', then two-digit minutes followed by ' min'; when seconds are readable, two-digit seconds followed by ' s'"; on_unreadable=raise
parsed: 8 h 58 min
